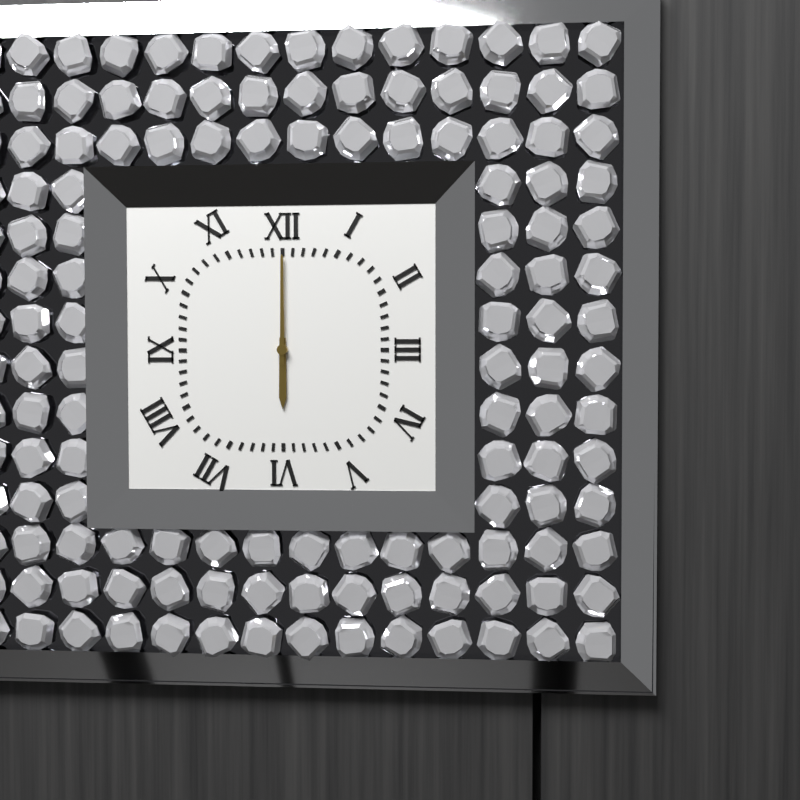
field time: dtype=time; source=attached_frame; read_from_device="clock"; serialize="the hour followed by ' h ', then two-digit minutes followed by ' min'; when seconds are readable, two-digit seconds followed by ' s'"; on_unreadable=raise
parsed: 6 h 00 min
